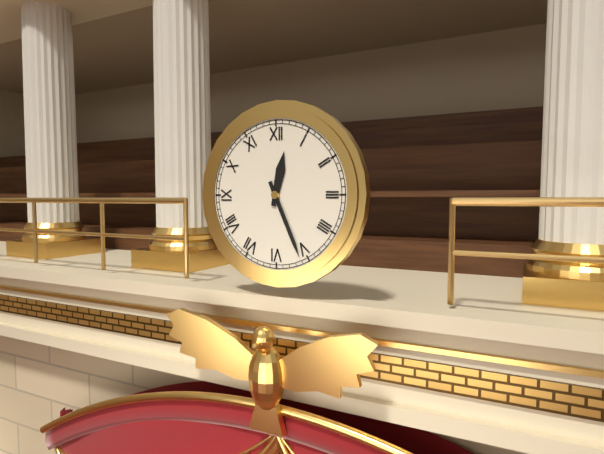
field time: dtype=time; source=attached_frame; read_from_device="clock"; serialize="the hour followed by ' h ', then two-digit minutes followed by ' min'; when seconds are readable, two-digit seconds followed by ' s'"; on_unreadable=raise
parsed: 12 h 26 min
